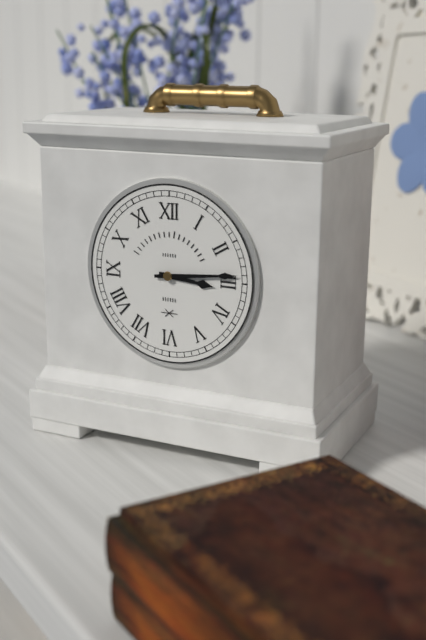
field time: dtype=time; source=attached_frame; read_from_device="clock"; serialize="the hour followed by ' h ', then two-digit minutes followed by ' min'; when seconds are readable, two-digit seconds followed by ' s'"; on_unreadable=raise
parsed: 3 h 14 min
